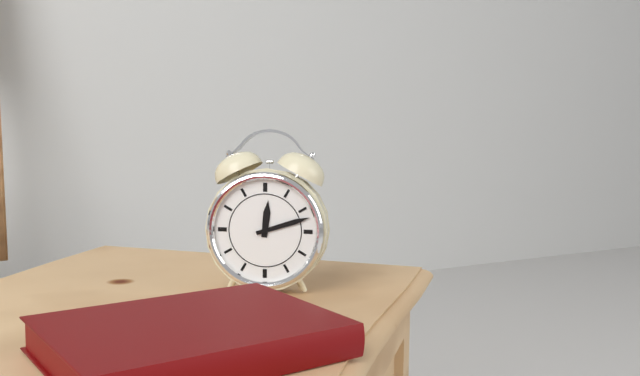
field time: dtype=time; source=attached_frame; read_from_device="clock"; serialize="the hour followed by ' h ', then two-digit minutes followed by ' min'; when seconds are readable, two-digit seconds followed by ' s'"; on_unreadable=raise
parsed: 12 h 12 min
